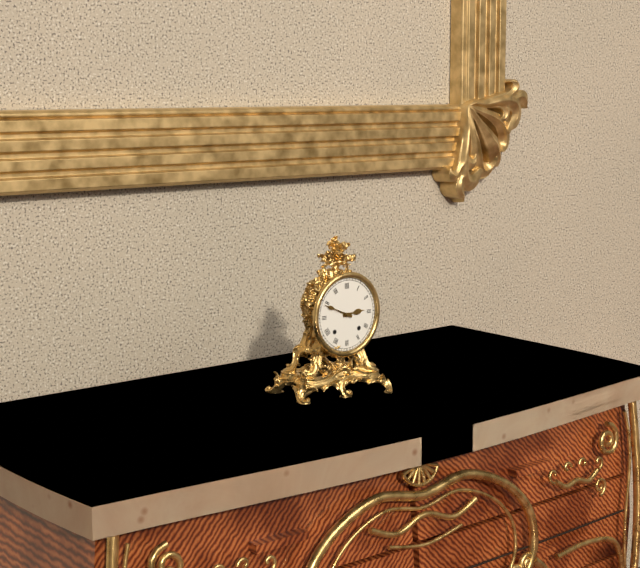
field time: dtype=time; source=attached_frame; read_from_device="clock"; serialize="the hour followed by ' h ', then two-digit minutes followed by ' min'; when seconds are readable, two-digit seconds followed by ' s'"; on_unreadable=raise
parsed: 2 h 49 min
